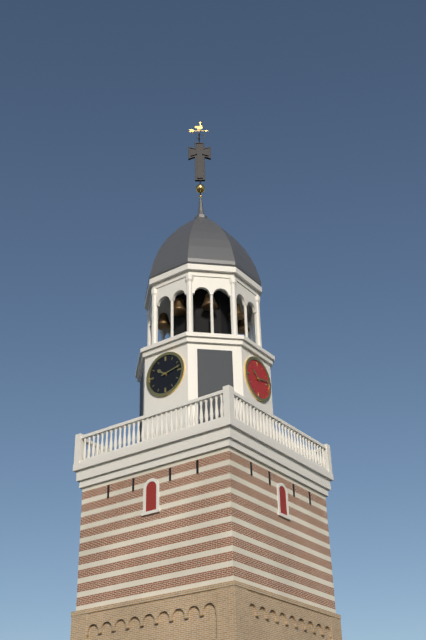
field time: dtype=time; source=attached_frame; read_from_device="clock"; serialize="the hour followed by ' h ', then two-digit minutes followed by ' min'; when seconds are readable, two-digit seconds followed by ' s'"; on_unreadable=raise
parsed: 10 h 13 min
